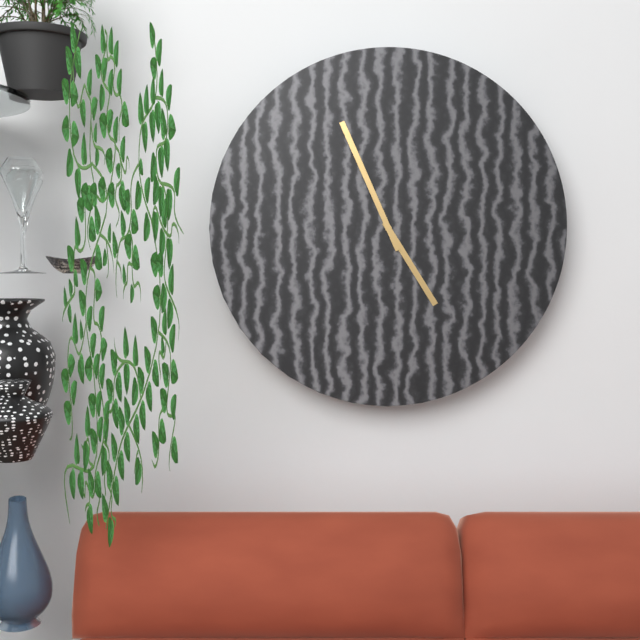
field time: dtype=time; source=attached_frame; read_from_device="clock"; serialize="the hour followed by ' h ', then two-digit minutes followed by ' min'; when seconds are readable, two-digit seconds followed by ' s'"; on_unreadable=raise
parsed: 4 h 56 min
